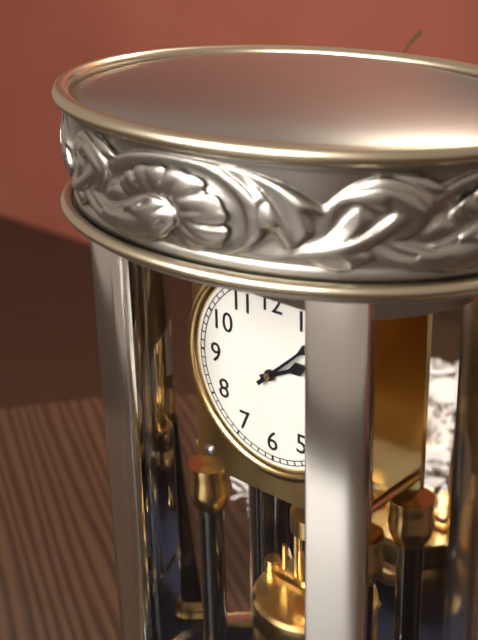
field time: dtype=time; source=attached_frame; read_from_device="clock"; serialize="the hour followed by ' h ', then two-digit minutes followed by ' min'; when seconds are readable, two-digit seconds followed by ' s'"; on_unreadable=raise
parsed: 2 h 08 min
